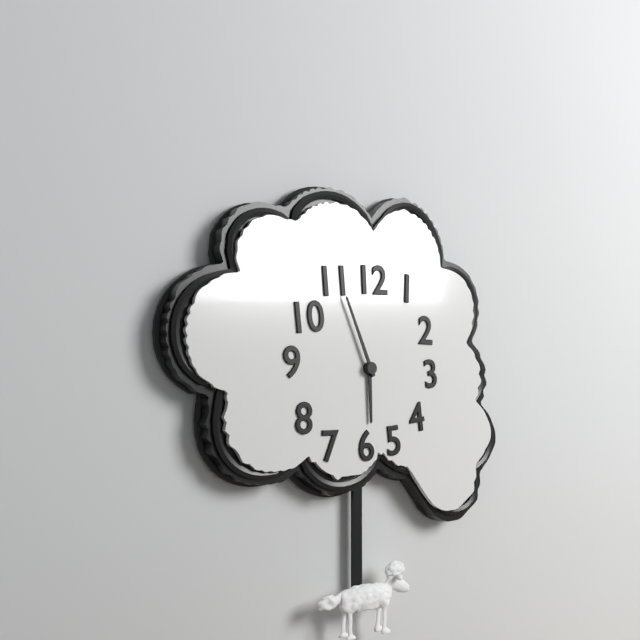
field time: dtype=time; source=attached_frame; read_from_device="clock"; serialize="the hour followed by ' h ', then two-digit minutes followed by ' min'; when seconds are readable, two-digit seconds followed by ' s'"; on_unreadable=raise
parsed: 5 h 56 min
